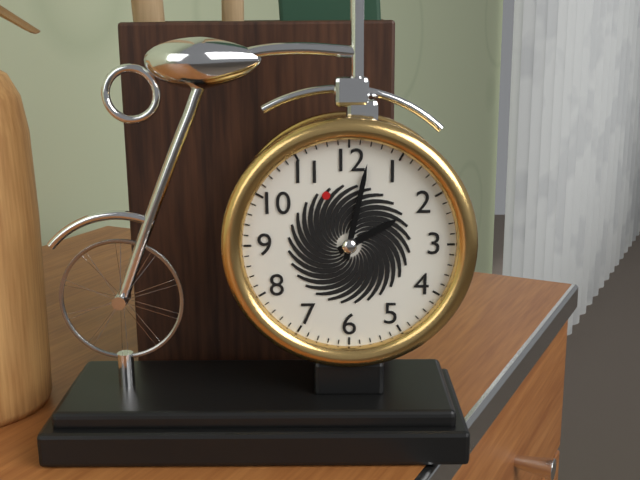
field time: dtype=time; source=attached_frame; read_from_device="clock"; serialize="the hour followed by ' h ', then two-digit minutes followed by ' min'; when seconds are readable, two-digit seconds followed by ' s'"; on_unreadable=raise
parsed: 2 h 02 min
